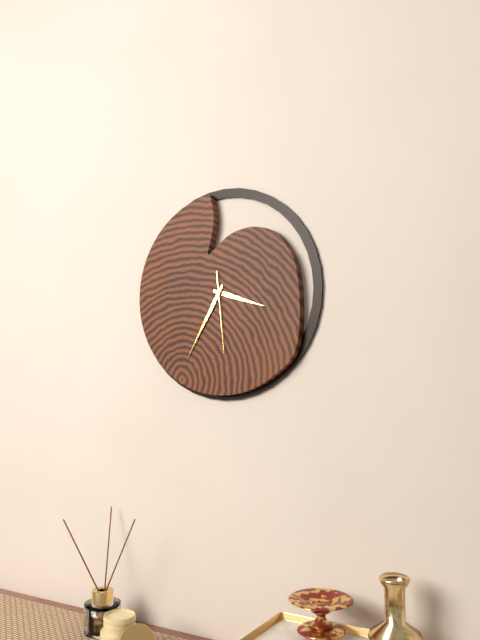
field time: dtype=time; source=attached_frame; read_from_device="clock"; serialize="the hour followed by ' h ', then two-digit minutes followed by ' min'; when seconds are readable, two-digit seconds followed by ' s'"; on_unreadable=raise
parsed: 3 h 35 min 29 s
